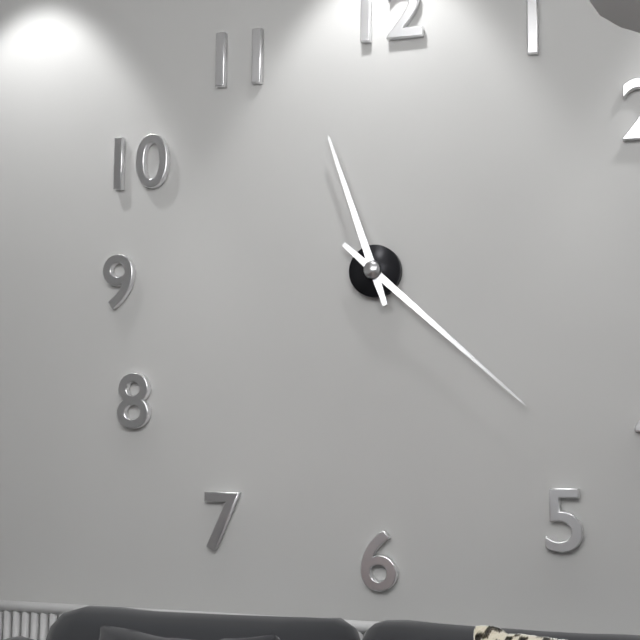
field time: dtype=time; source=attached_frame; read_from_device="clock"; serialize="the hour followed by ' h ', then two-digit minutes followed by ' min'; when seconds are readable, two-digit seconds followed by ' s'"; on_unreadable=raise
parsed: 11 h 22 min
